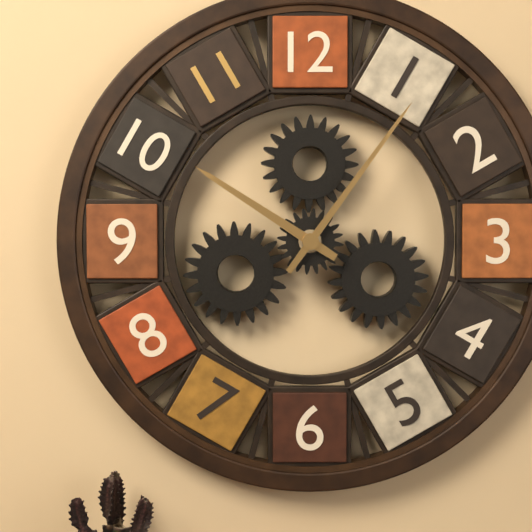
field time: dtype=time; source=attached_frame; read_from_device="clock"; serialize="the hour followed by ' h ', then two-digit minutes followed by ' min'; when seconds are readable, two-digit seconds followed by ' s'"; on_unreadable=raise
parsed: 10 h 06 min
